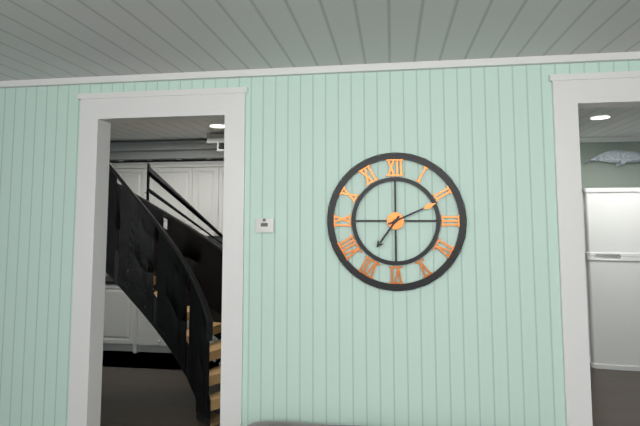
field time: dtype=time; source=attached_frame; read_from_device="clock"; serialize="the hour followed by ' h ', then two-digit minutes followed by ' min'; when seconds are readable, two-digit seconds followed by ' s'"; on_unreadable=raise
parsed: 7 h 11 min
